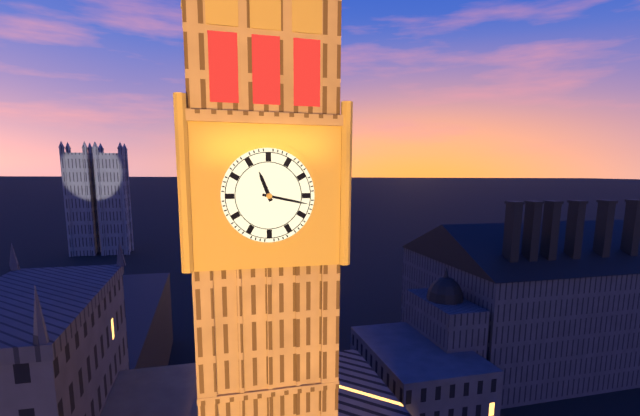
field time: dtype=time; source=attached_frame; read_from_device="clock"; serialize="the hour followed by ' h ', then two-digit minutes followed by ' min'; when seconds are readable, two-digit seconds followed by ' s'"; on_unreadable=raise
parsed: 11 h 17 min
